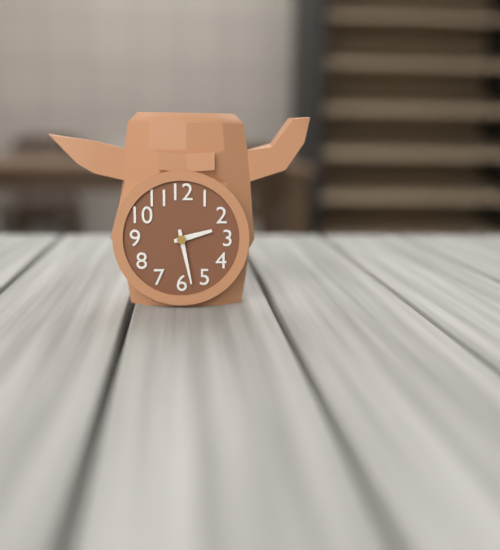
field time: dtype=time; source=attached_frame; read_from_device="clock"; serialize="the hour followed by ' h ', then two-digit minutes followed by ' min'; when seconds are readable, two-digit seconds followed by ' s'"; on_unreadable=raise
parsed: 2 h 28 min
